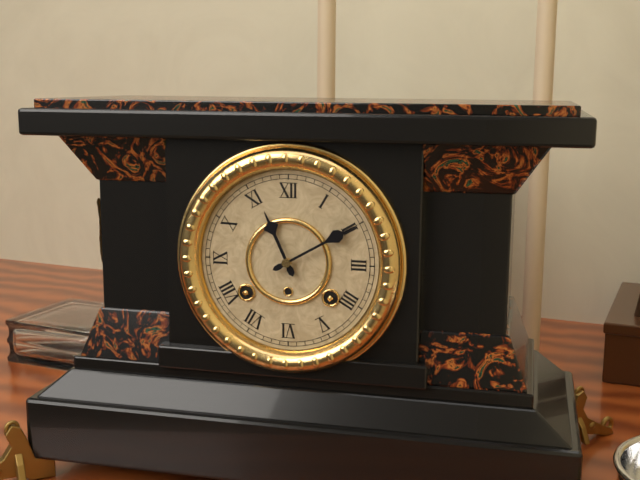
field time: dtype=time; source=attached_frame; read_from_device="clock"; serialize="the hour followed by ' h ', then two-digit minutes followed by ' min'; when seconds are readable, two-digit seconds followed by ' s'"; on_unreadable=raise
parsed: 11 h 10 min
